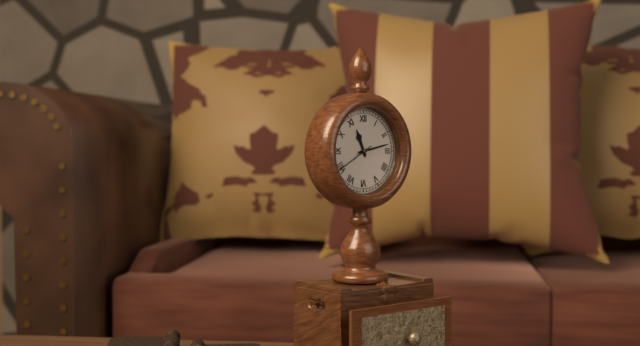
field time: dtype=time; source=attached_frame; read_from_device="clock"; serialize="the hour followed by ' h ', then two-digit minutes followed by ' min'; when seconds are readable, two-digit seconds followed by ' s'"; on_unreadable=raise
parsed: 11 h 13 min
